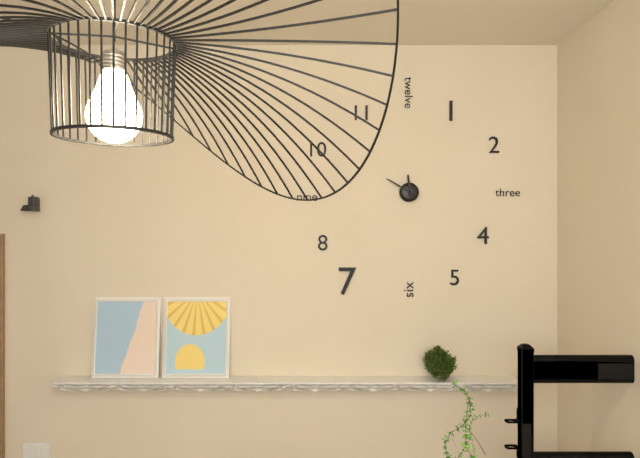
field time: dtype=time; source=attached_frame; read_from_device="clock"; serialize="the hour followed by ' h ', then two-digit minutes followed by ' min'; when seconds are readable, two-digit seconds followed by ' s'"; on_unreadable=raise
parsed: 11 h 50 min
